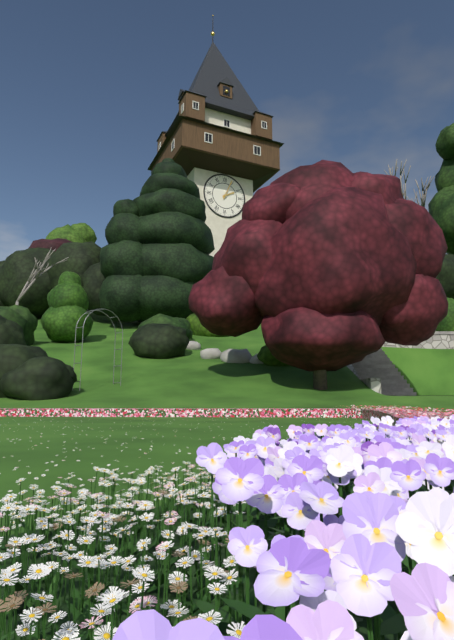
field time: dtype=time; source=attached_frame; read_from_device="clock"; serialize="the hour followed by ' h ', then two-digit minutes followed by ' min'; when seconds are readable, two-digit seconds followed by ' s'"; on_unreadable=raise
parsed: 2 h 04 min
